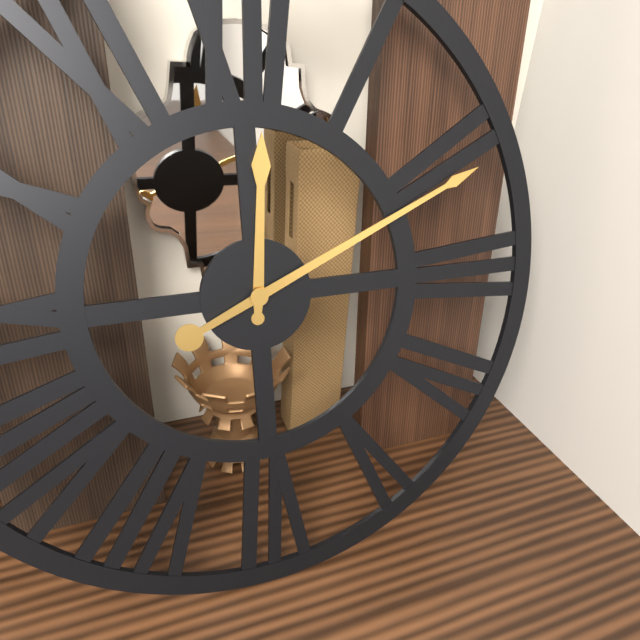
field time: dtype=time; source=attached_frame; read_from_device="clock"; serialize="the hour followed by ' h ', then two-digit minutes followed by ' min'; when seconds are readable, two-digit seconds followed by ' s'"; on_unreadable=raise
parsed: 12 h 11 min
